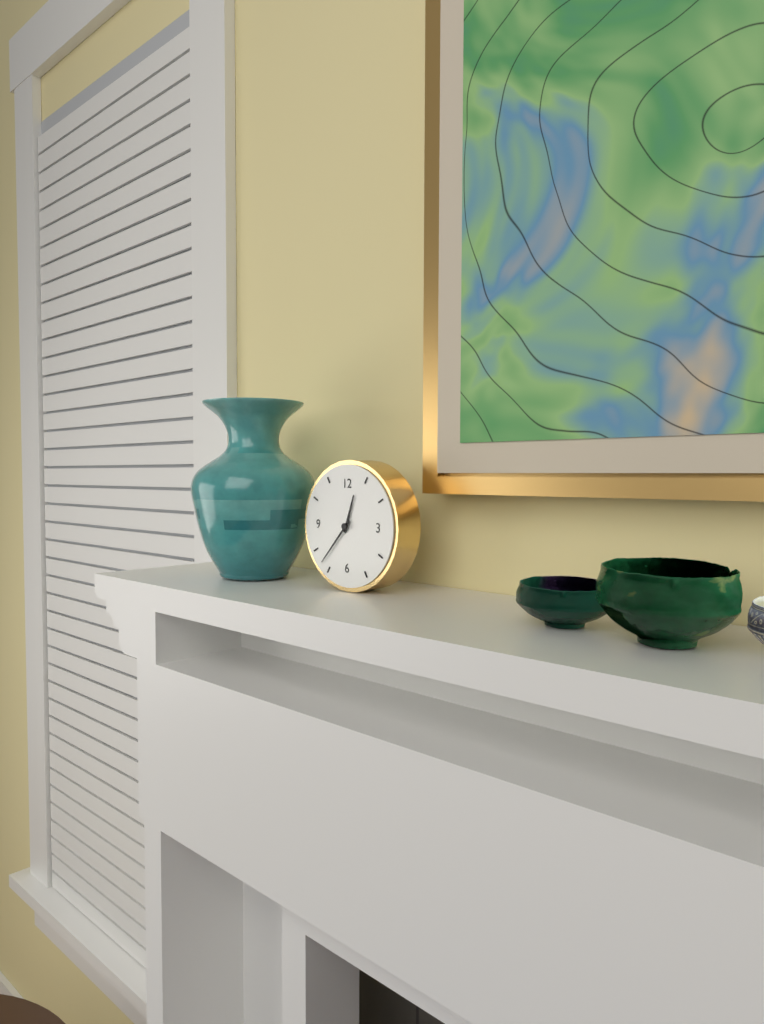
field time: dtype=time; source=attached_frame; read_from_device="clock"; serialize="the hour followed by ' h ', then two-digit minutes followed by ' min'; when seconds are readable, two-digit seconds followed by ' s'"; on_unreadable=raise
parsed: 12 h 37 min
